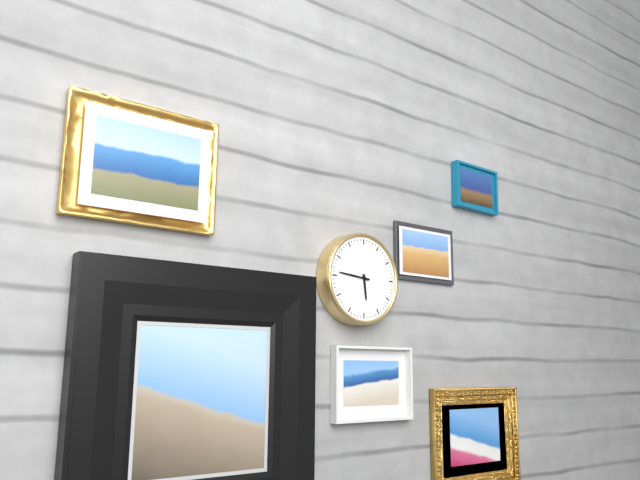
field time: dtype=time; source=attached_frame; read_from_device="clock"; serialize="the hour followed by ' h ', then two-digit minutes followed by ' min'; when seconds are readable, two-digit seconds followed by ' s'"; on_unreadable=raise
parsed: 5 h 46 min
